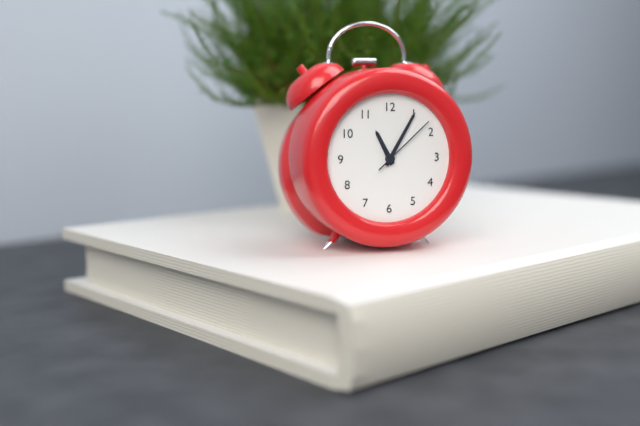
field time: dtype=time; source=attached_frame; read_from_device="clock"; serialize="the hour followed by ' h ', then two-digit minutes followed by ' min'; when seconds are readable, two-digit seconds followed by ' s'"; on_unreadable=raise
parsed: 11 h 05 min 08 s
